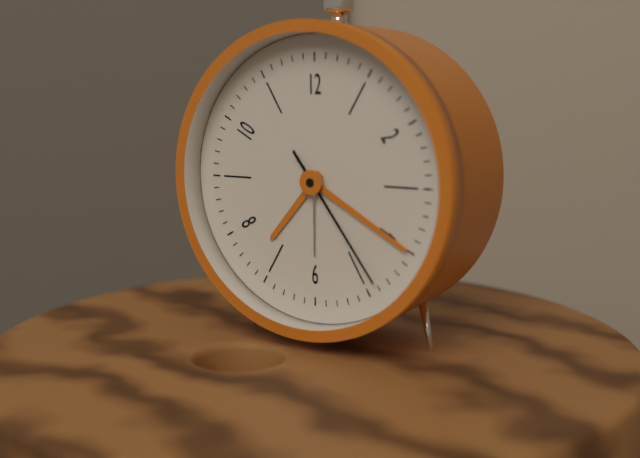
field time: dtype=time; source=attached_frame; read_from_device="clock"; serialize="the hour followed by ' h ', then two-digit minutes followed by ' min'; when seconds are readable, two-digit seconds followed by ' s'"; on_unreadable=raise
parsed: 7 h 20 min 24 s
